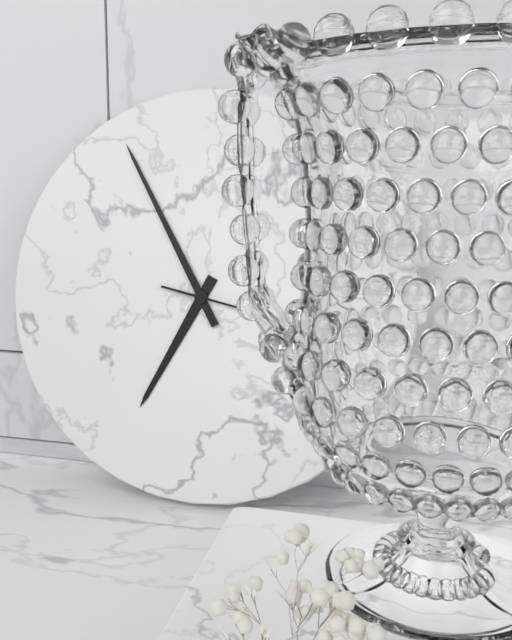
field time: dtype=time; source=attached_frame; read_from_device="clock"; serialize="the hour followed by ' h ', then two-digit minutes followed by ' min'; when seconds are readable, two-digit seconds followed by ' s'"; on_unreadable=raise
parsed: 6 h 55 min 17 s
